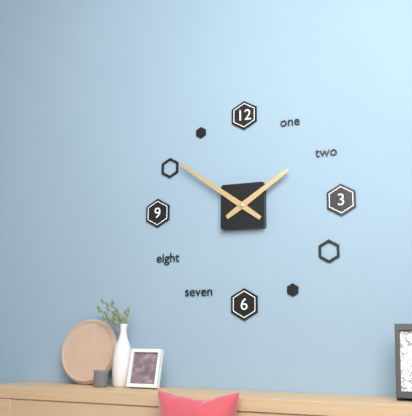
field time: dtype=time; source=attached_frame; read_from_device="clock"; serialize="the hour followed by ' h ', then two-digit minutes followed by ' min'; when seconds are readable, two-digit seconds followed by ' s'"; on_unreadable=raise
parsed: 1 h 51 min
